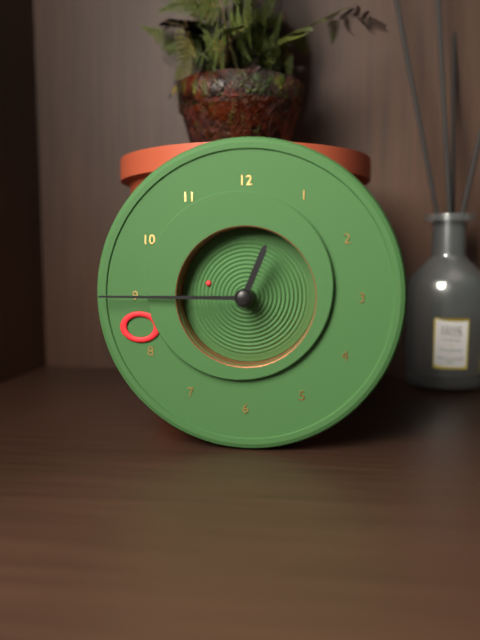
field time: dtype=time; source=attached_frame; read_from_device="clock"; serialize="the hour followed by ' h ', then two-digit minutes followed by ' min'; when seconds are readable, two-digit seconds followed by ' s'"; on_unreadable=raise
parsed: 12 h 45 min 48 s
